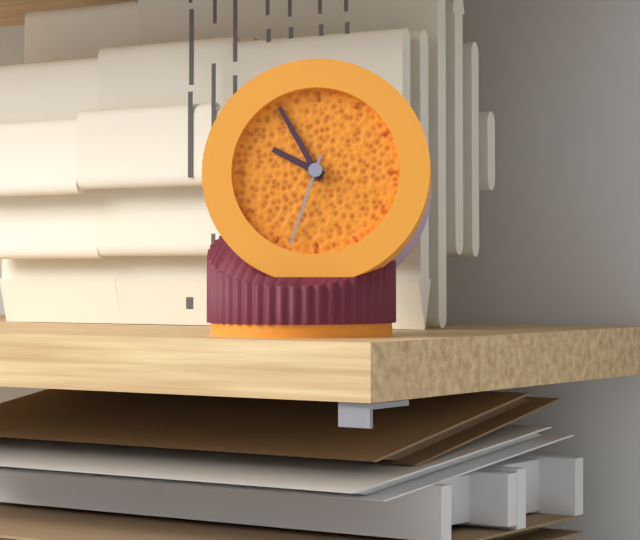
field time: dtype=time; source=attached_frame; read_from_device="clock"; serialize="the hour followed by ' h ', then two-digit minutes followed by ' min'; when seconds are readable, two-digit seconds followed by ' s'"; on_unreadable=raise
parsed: 9 h 55 min 33 s
